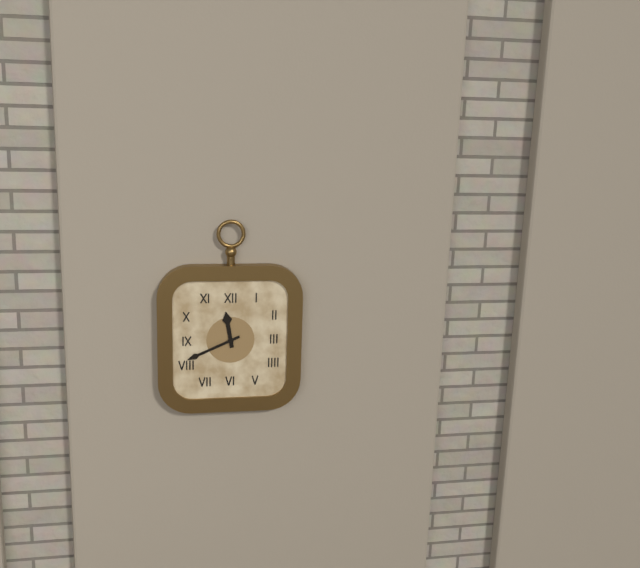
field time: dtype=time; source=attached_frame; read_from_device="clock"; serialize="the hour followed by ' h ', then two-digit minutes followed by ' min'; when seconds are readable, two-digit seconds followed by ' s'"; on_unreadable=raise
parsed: 11 h 41 min
